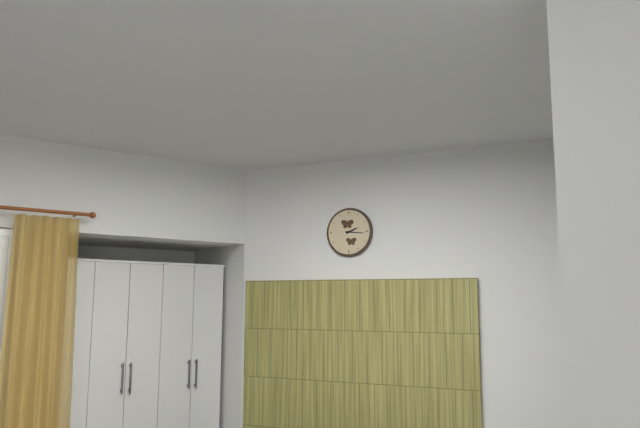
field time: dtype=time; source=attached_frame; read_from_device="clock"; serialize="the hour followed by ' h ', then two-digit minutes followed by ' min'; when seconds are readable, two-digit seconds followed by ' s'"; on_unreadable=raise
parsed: 2 h 16 min
